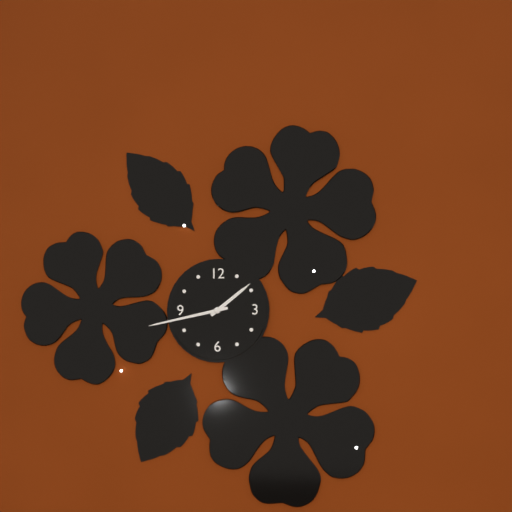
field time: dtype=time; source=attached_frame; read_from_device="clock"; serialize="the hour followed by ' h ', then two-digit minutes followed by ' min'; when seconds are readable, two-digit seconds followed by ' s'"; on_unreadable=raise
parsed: 1 h 43 min
